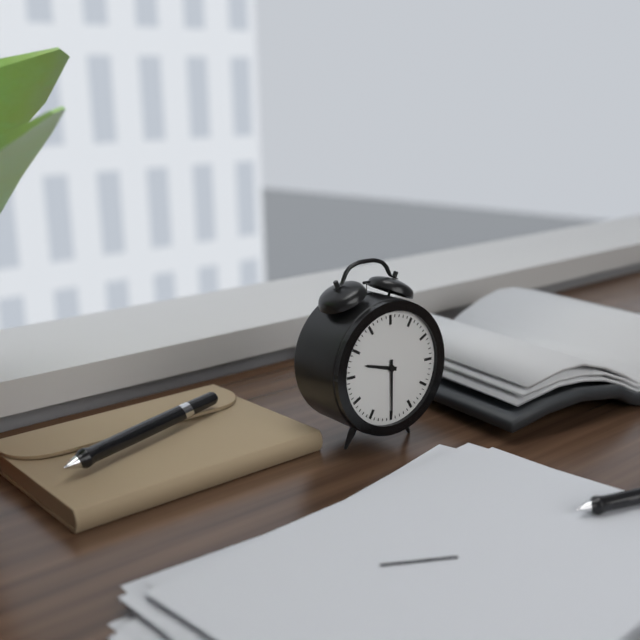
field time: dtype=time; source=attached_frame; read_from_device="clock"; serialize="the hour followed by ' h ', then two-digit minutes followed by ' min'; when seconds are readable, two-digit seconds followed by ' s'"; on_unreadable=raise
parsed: 9 h 30 min
